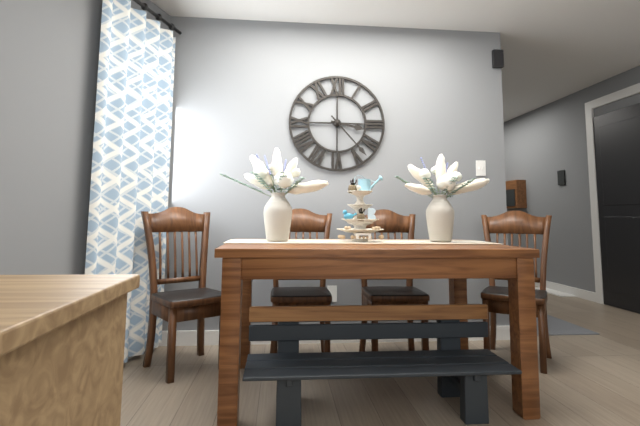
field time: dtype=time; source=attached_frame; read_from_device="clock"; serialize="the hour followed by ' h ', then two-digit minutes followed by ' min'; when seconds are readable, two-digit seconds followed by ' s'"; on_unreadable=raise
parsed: 3 h 23 min
